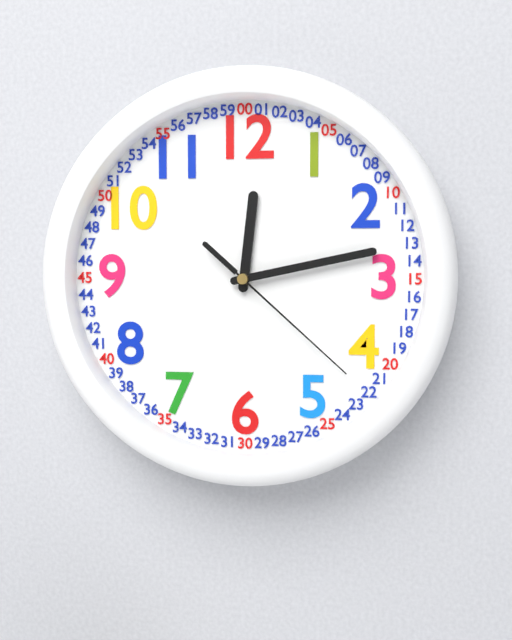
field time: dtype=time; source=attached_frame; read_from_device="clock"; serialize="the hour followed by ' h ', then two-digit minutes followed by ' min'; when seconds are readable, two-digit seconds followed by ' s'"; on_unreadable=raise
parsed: 12 h 13 min 22 s
